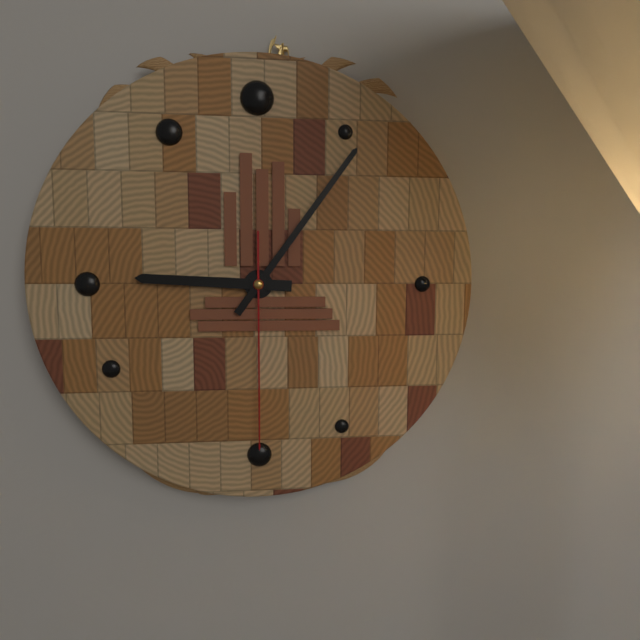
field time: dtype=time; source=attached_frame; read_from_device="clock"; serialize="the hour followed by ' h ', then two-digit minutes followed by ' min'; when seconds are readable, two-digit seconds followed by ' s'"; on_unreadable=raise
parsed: 9 h 06 min 30 s
